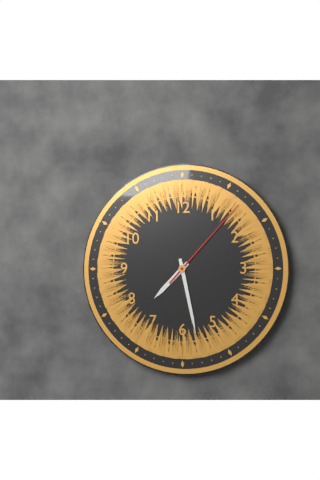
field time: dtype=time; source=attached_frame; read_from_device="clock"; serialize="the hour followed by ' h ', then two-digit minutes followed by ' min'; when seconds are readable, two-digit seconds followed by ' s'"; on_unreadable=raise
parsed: 7 h 28 min 07 s
